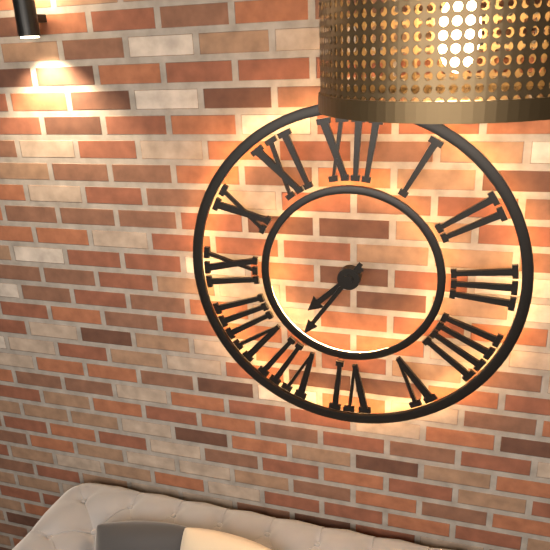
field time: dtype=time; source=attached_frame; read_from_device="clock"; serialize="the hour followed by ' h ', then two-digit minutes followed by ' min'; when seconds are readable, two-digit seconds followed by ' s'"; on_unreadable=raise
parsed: 7 h 36 min
